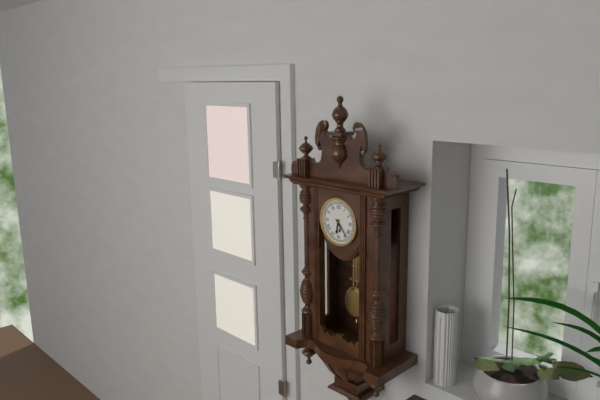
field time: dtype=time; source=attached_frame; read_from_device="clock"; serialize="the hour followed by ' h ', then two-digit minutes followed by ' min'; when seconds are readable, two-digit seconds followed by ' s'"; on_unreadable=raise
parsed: 6 h 23 min
